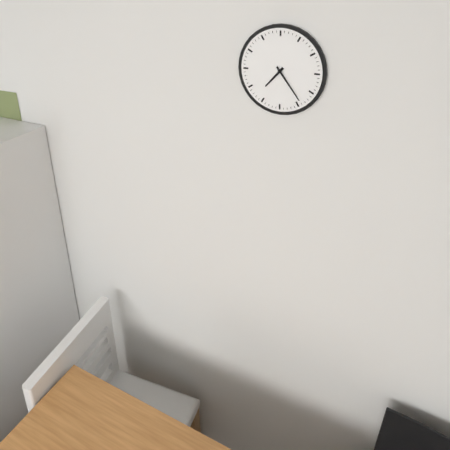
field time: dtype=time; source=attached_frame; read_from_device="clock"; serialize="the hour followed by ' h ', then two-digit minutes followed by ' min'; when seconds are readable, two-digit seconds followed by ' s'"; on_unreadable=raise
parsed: 7 h 24 min
